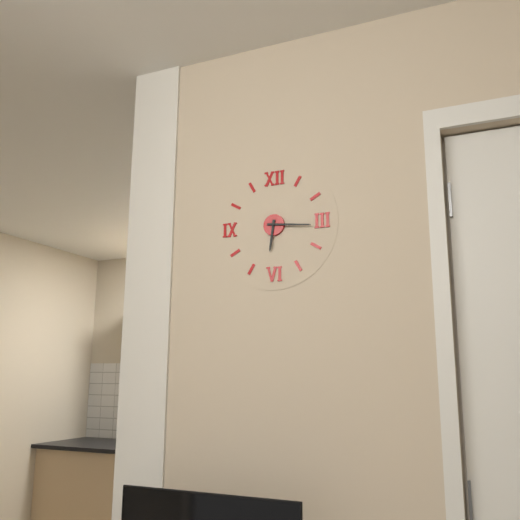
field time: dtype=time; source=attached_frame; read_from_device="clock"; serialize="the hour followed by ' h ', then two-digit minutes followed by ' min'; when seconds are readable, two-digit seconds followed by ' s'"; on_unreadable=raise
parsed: 6 h 16 min
